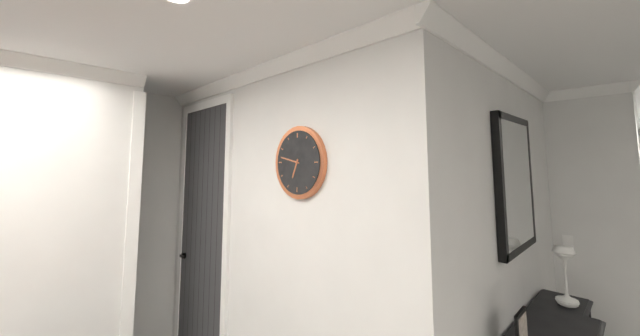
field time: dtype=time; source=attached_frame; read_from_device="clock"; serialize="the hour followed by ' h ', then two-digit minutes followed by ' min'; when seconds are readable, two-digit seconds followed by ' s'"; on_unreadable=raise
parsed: 6 h 47 min
